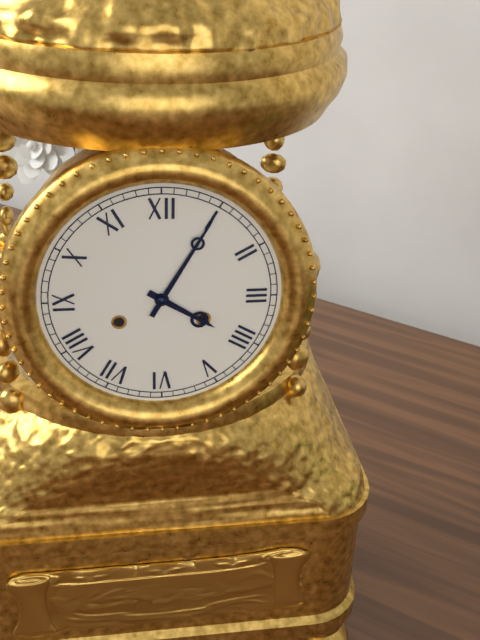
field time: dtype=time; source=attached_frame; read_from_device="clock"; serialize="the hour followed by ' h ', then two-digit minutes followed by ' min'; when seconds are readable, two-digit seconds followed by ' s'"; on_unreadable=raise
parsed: 4 h 05 min
